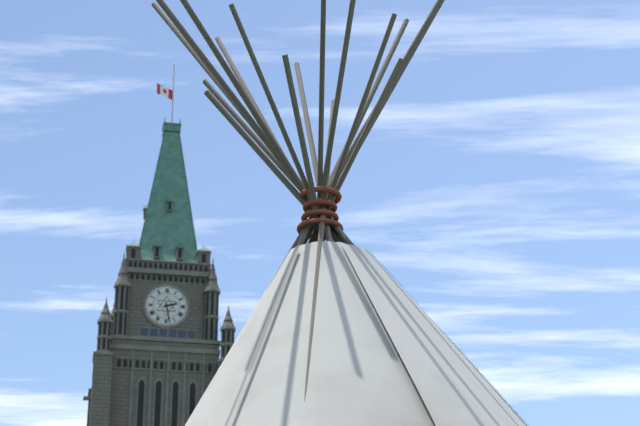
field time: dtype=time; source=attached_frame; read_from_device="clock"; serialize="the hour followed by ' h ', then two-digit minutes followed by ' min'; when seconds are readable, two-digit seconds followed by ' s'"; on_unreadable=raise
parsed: 2 h 28 min
